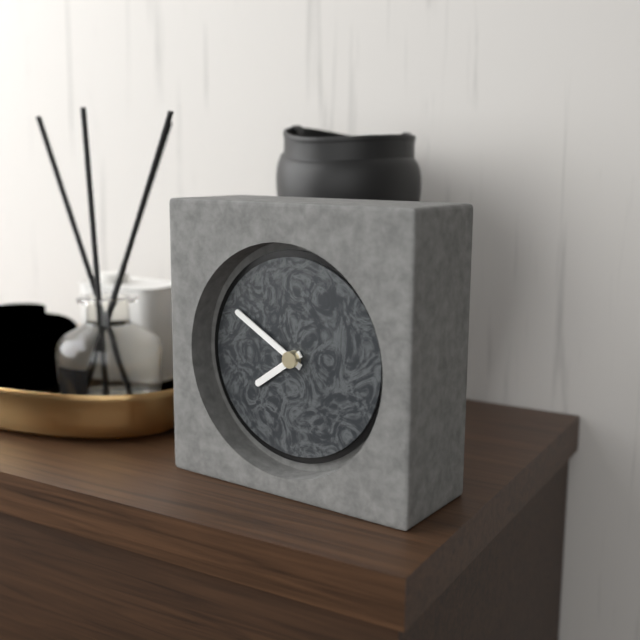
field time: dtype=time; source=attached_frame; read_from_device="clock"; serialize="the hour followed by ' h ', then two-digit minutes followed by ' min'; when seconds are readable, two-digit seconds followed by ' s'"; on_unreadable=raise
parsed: 7 h 50 min
